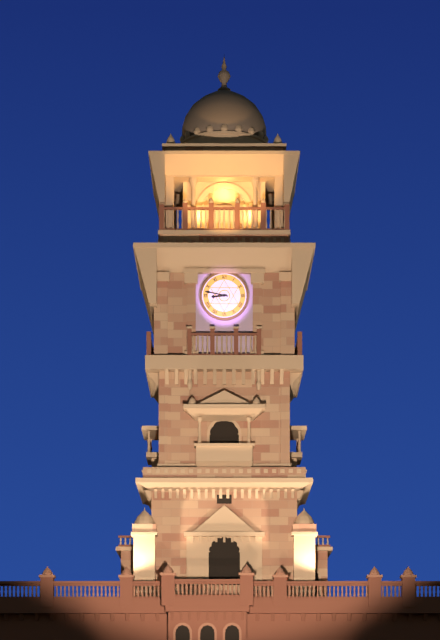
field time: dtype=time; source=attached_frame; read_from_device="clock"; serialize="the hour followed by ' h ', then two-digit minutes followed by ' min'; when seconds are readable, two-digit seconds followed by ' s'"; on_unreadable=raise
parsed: 8 h 47 min
